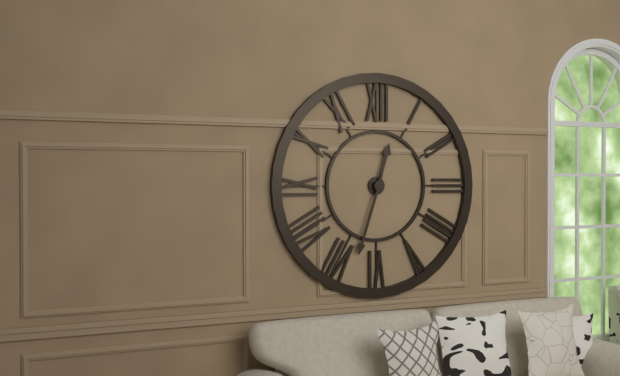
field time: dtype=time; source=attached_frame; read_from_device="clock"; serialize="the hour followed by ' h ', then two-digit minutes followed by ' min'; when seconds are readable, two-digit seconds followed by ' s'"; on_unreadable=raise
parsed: 12 h 33 min
